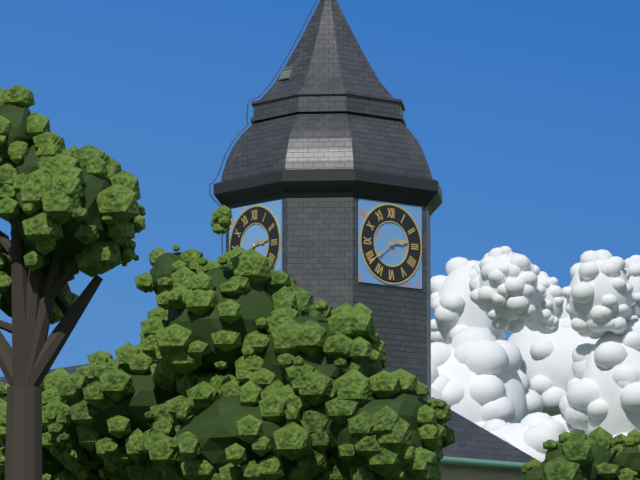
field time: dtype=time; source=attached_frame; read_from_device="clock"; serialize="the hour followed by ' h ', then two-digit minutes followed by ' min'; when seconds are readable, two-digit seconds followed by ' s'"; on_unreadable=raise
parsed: 2 h 39 min
